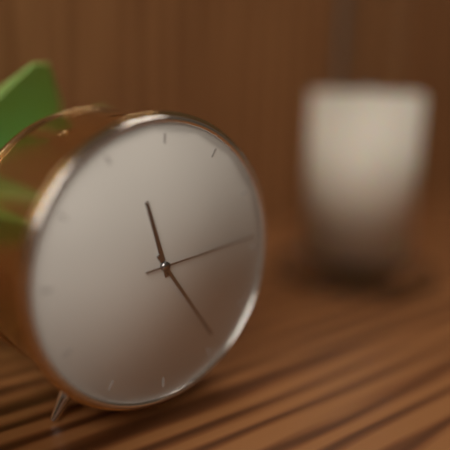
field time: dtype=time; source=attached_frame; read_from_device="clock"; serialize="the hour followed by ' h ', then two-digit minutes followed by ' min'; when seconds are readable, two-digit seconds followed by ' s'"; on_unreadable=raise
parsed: 11 h 24 min 14 s
